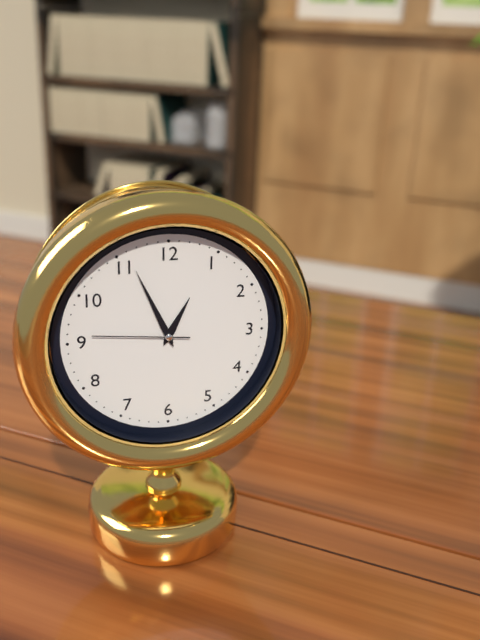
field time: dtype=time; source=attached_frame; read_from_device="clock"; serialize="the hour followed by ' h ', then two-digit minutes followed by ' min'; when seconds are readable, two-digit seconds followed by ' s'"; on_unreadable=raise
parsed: 12 h 56 min 46 s
